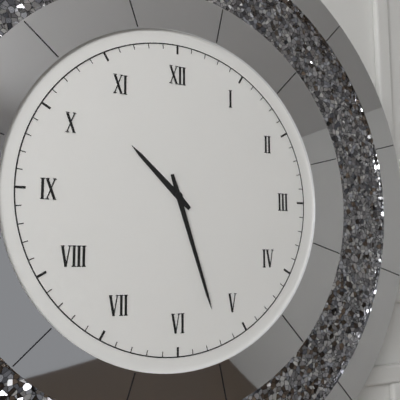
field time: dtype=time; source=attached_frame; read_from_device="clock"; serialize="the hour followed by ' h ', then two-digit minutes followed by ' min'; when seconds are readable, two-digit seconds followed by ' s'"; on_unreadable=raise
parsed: 10 h 27 min
